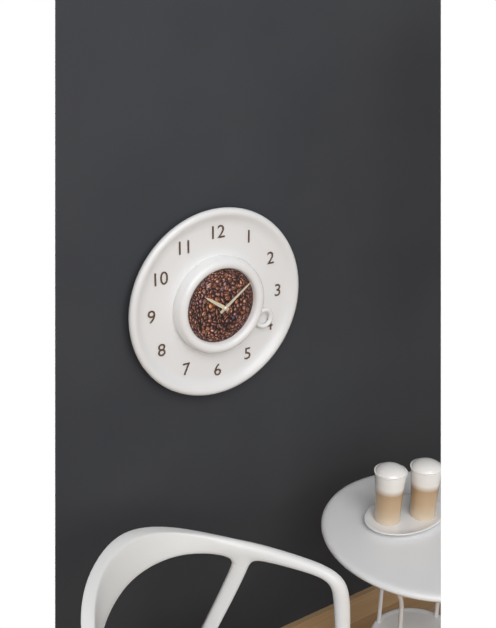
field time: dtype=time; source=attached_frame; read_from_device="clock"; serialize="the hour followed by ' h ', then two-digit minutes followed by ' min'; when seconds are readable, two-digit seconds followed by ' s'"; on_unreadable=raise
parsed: 10 h 09 min
